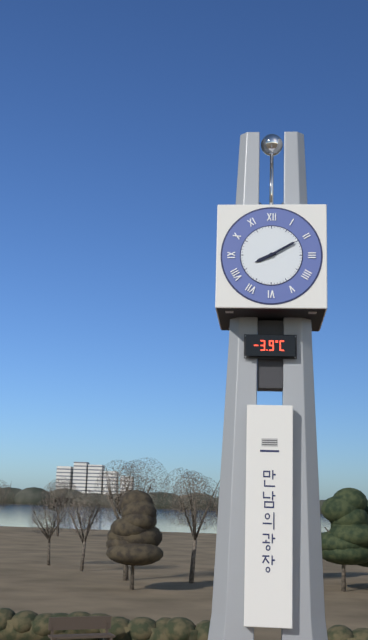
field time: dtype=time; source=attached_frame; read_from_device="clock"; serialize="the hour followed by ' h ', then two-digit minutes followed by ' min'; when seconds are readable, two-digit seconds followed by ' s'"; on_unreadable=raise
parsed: 8 h 10 min
